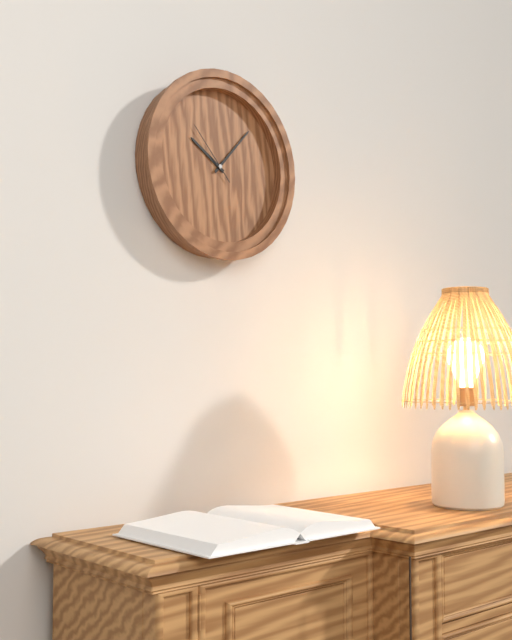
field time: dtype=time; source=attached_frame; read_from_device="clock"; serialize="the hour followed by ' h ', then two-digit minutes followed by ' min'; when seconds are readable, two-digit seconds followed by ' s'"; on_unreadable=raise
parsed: 10 h 07 min 53 s
